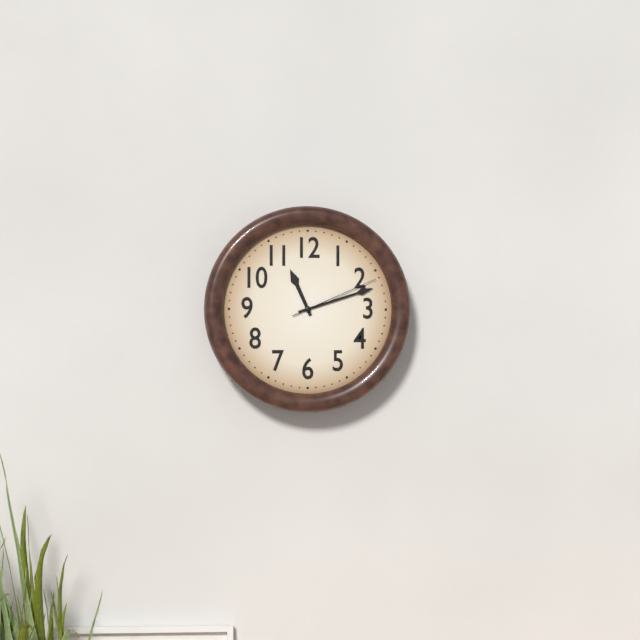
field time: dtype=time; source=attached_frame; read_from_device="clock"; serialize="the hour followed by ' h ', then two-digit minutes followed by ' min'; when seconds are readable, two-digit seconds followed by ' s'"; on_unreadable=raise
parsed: 11 h 12 min 11 s
